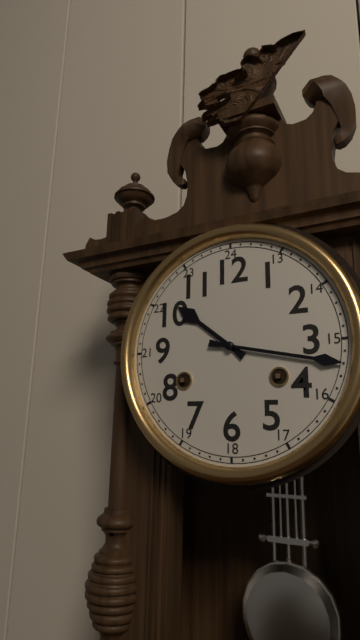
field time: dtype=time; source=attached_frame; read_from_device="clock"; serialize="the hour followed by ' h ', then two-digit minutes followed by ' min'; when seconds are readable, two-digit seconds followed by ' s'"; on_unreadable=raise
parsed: 10 h 17 min
